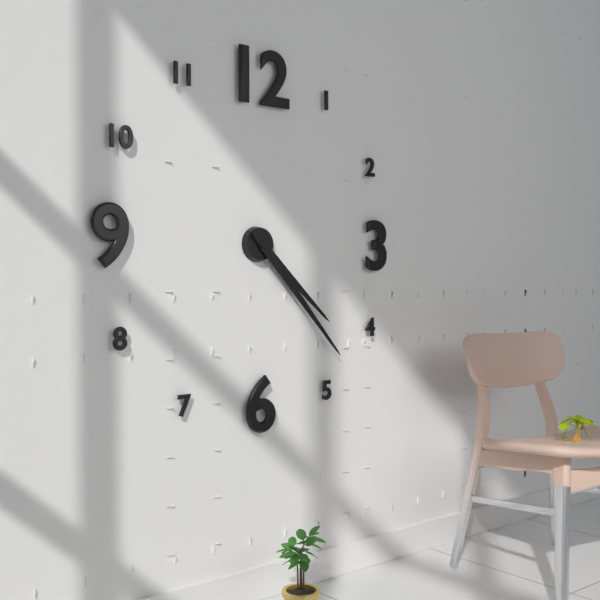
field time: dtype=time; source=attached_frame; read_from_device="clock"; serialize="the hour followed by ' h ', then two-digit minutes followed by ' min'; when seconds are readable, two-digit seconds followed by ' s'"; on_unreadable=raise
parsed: 4 h 23 min
